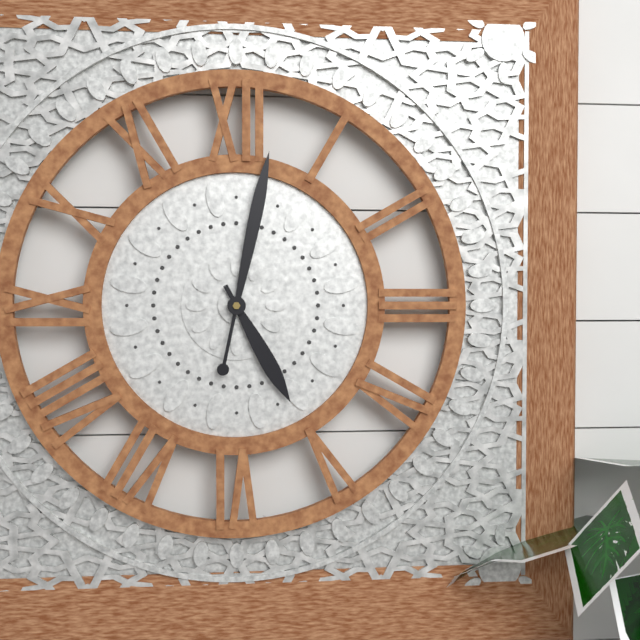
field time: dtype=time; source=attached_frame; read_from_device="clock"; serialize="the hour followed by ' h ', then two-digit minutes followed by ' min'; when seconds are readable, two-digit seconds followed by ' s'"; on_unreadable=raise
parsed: 5 h 02 min
